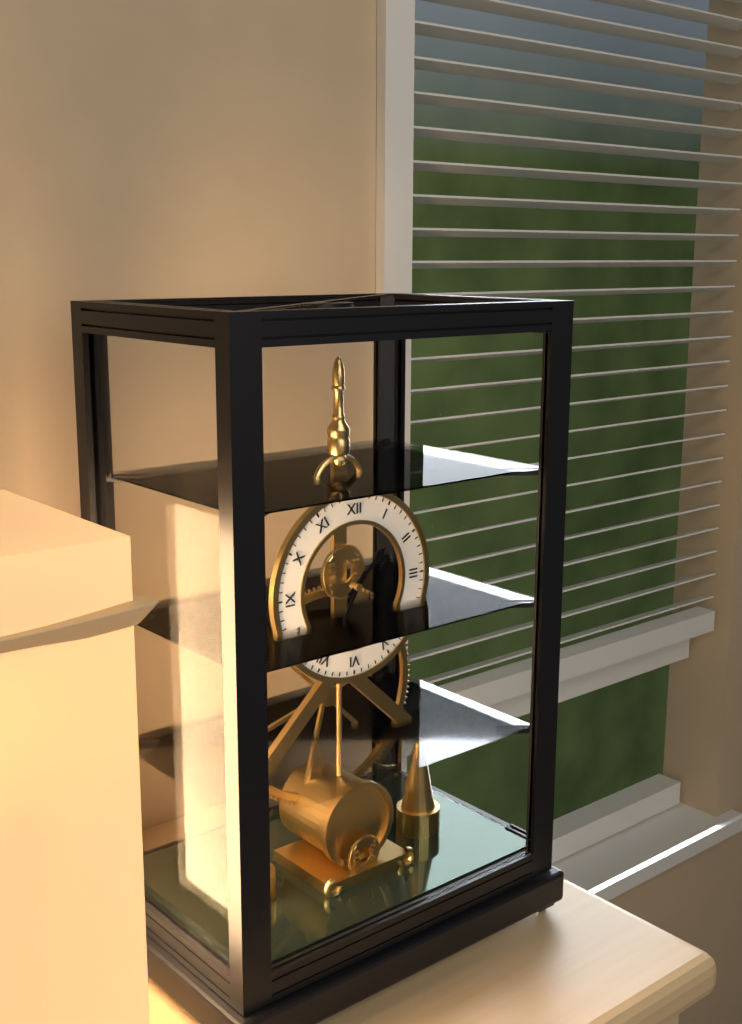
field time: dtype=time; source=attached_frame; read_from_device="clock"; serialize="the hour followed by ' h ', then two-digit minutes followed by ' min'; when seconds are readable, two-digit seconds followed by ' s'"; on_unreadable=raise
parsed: 1 h 35 min
